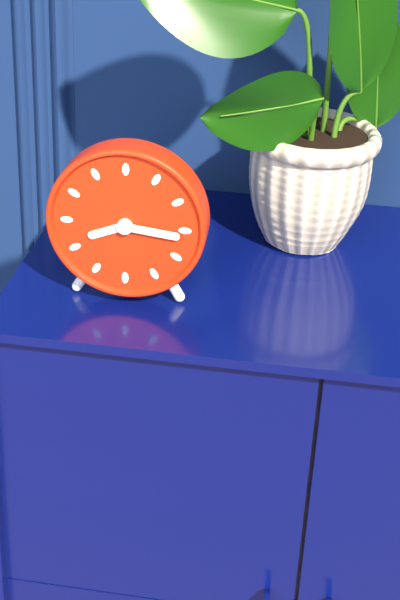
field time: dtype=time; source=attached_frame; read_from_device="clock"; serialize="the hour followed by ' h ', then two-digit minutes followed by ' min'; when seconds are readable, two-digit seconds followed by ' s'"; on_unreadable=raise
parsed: 8 h 16 min
